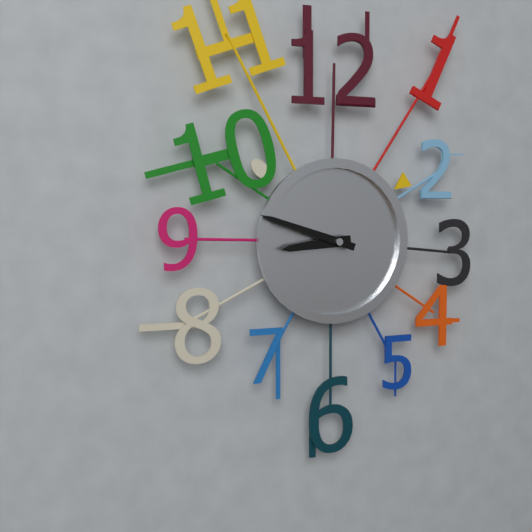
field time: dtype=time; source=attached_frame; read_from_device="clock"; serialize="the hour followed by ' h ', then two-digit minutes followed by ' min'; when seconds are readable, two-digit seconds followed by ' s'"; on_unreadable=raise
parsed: 8 h 48 min
